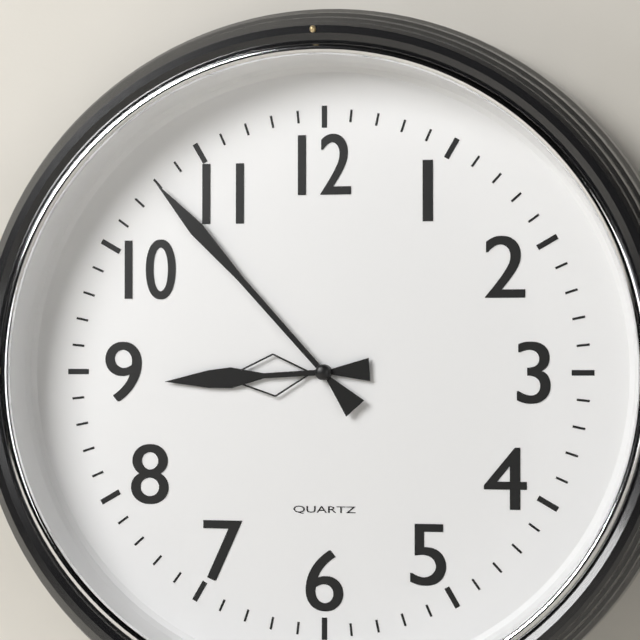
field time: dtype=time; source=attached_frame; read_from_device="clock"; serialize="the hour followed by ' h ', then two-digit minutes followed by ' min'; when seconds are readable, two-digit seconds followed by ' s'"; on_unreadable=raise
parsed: 8 h 53 min
